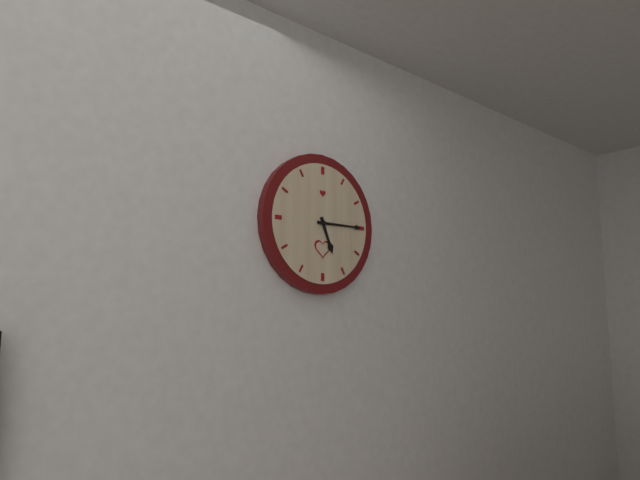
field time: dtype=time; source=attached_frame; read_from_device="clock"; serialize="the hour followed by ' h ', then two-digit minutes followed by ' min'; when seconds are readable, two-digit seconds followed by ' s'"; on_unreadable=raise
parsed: 5 h 15 min
